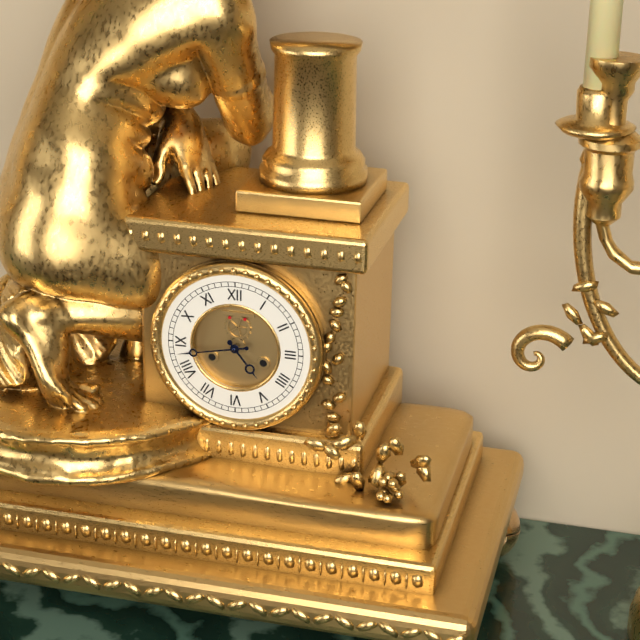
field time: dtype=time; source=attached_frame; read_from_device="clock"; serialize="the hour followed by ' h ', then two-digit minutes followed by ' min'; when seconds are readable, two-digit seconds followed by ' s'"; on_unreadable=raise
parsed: 4 h 43 min
